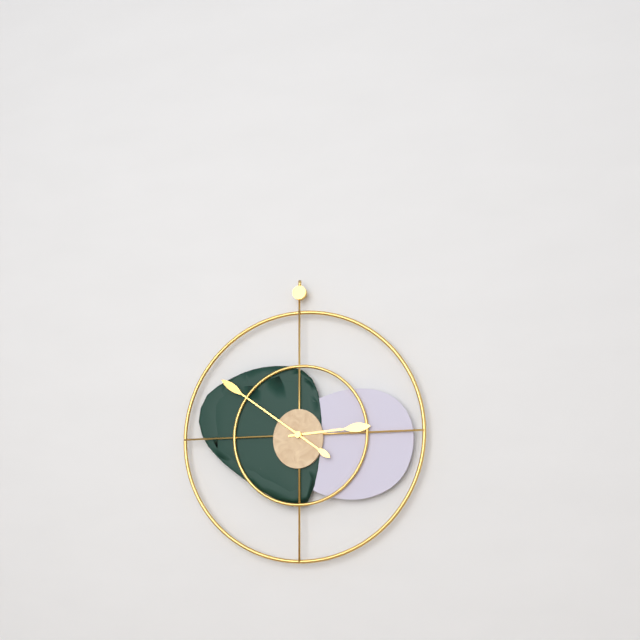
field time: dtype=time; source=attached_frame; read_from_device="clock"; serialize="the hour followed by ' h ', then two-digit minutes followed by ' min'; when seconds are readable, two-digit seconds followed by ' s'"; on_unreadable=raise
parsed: 2 h 51 min
